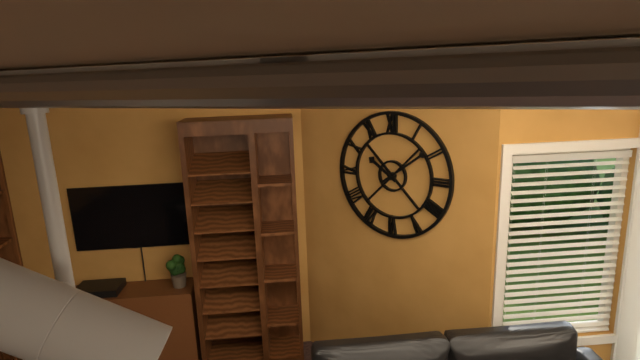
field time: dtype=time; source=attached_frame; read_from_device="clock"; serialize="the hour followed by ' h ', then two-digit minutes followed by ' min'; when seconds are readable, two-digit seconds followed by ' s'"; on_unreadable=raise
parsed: 10 h 09 min
